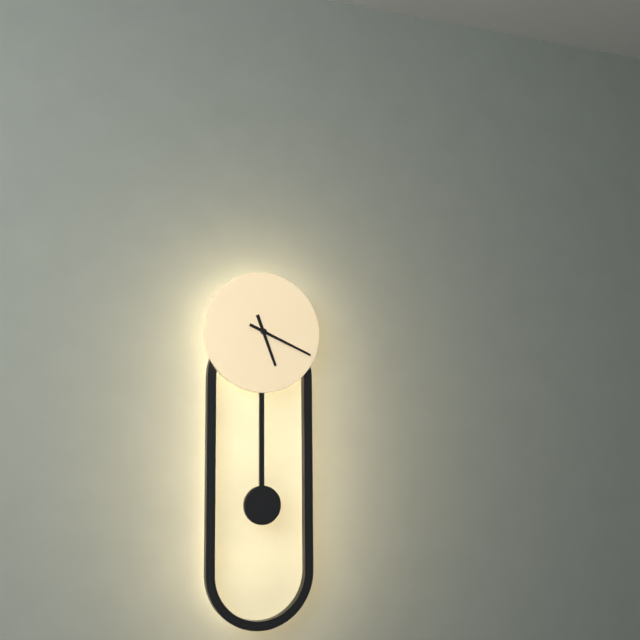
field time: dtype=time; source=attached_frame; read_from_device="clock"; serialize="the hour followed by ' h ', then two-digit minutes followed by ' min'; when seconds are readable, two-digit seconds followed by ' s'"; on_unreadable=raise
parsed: 5 h 19 min
